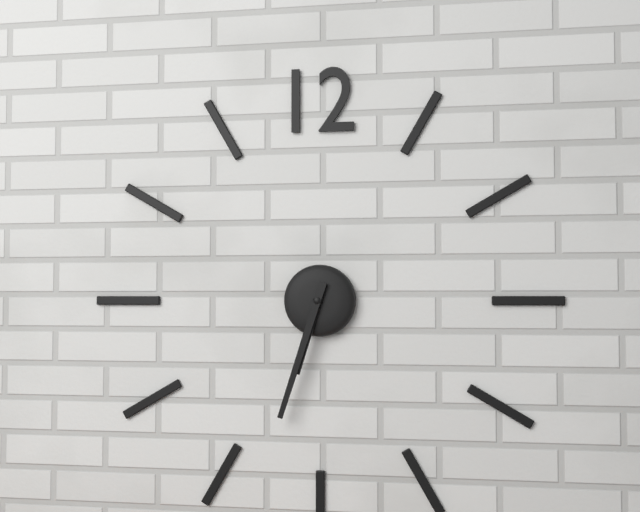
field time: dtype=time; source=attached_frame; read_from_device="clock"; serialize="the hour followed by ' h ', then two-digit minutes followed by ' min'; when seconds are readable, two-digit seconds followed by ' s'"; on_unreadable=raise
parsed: 6 h 33 min
